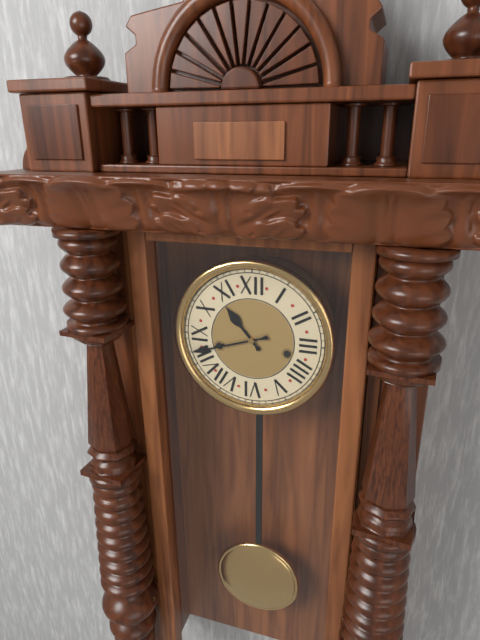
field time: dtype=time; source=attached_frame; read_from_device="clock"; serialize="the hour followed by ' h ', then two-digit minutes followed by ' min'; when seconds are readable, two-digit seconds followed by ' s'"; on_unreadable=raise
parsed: 10 h 42 min
